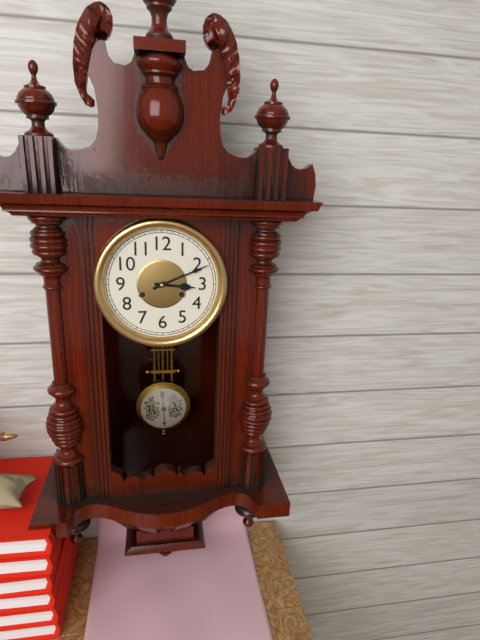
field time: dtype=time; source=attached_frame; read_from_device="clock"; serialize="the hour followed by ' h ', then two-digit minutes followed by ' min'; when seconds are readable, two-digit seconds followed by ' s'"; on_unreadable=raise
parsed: 3 h 11 min
